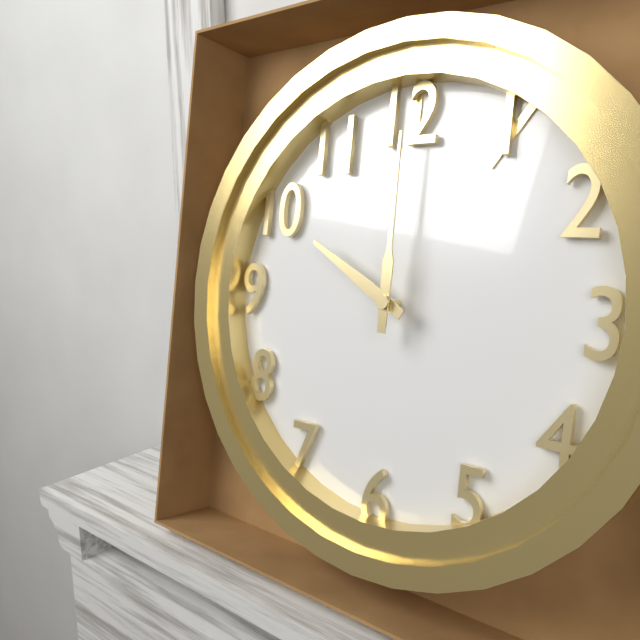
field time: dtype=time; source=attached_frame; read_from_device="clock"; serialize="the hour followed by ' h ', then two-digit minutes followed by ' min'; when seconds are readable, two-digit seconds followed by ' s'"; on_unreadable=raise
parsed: 10 h 00 min
